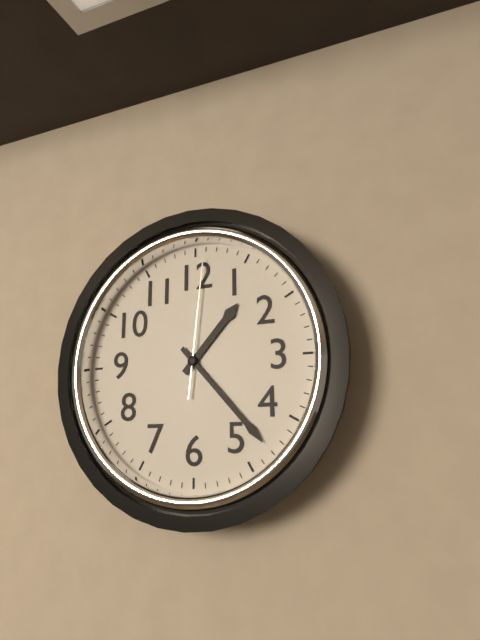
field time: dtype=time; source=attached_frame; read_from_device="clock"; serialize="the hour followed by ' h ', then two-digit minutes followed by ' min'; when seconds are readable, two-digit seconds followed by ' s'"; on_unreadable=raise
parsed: 1 h 23 min 01 s
